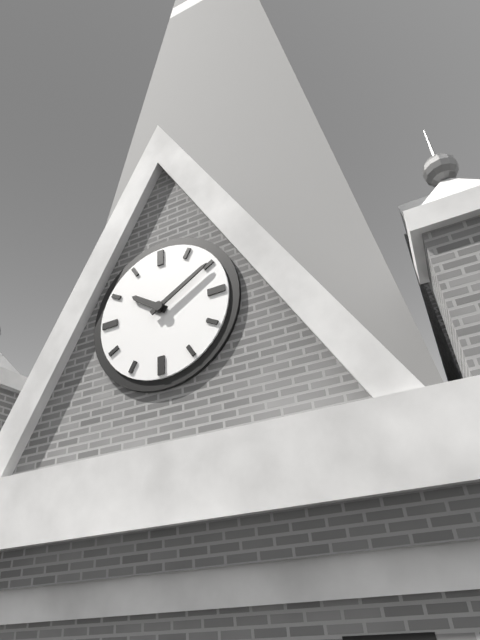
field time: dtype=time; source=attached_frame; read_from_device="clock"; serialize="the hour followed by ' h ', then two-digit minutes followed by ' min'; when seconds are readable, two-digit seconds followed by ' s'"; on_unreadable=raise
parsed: 10 h 10 min
